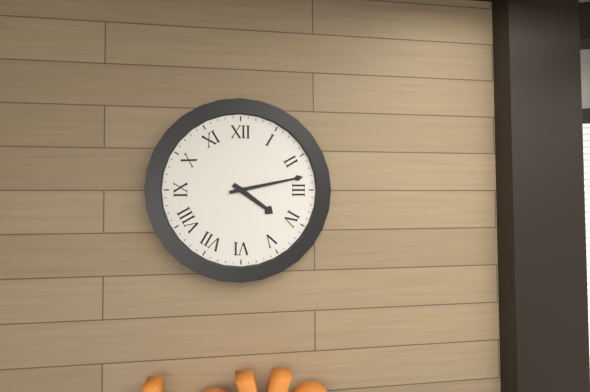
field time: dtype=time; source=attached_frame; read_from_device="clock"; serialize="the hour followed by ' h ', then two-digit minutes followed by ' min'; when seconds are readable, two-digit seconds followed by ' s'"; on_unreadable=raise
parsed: 4 h 13 min
